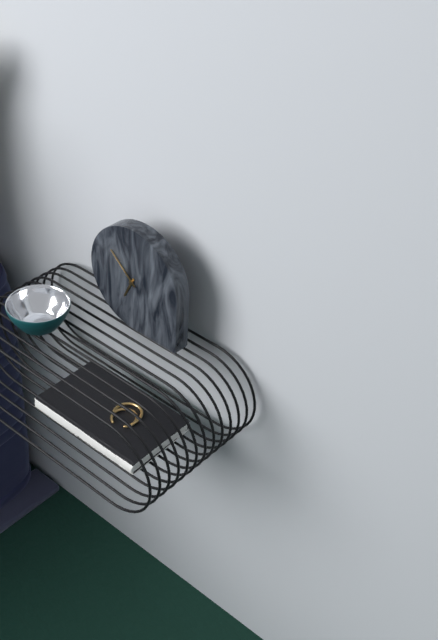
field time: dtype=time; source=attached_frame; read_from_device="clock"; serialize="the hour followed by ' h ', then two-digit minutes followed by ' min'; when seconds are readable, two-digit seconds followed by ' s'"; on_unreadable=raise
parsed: 6 h 52 min
